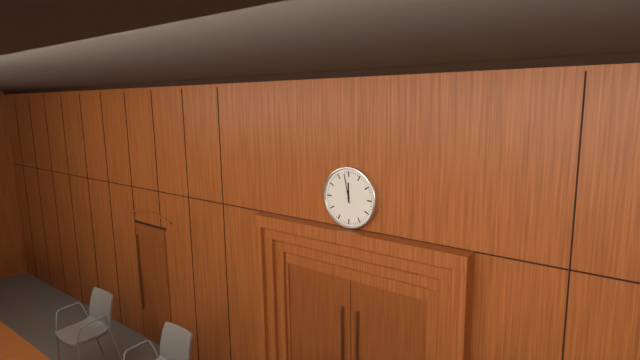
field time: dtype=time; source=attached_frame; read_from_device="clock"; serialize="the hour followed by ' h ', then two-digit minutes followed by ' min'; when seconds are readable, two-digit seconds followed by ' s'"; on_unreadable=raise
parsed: 11 h 58 min
